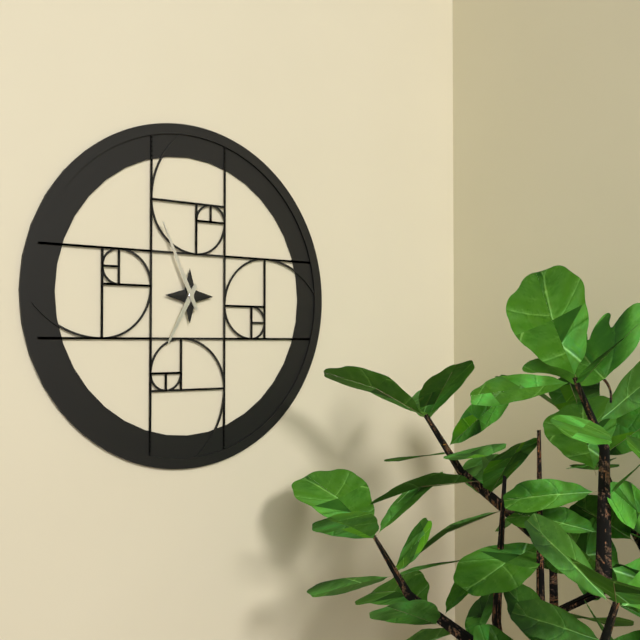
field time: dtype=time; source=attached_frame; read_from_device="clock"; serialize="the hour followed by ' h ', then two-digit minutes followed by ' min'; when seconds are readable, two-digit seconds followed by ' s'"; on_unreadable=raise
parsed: 6 h 56 min
